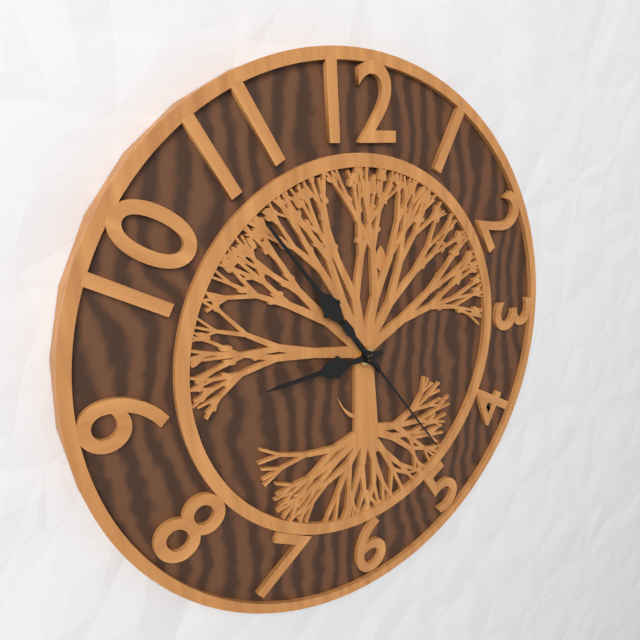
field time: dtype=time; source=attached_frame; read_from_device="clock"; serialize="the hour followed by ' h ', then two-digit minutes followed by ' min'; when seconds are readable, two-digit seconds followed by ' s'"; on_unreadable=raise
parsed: 8 h 54 min 24 s
